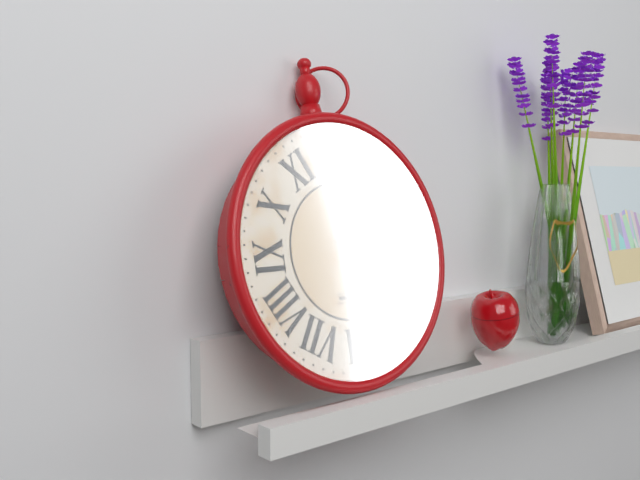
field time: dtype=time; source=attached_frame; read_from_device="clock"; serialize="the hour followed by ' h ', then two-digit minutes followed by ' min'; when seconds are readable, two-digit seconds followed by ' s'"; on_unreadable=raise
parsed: 12 h 22 min
